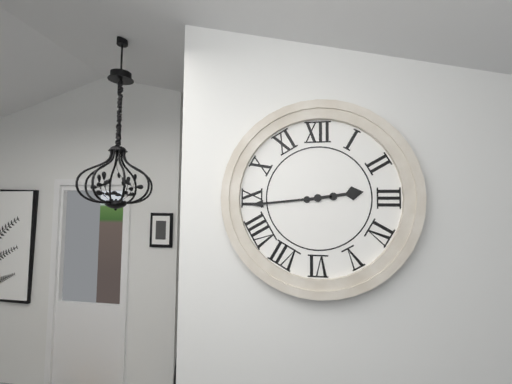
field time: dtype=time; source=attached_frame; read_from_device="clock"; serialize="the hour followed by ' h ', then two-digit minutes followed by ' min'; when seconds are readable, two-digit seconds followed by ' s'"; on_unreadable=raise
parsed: 2 h 44 min
